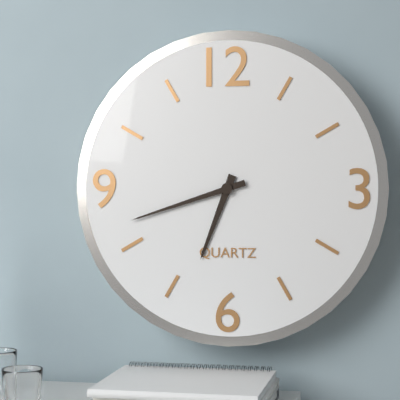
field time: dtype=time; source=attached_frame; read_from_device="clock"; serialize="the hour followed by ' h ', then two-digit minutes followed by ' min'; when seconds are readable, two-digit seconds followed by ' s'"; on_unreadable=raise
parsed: 6 h 42 min
